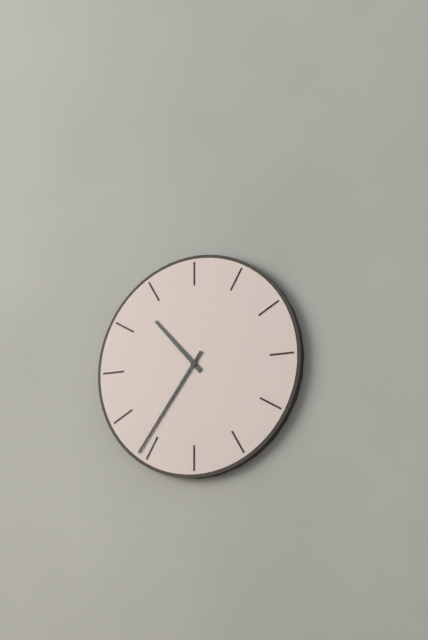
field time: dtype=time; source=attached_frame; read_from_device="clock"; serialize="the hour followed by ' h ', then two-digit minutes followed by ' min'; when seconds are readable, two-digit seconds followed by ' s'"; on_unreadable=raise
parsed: 10 h 36 min
